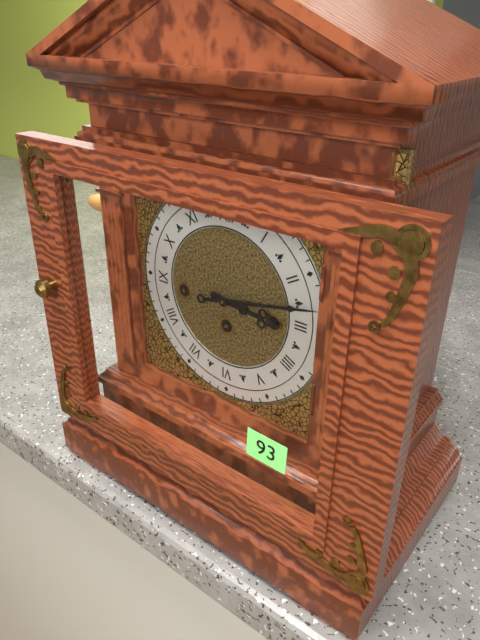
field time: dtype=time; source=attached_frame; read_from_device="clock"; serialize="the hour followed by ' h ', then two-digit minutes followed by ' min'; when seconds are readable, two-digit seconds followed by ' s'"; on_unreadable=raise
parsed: 3 h 13 min
